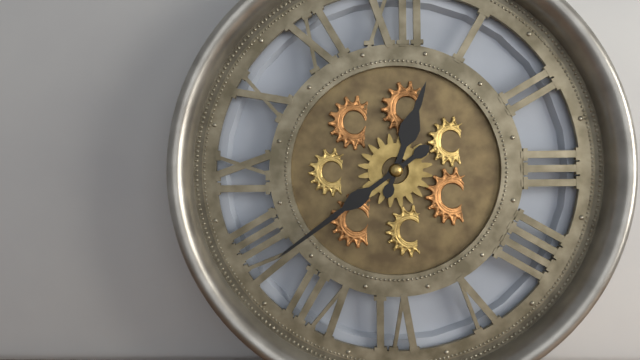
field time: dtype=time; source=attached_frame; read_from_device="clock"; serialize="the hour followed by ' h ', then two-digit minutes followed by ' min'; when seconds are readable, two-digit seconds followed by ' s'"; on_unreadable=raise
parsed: 12 h 39 min
